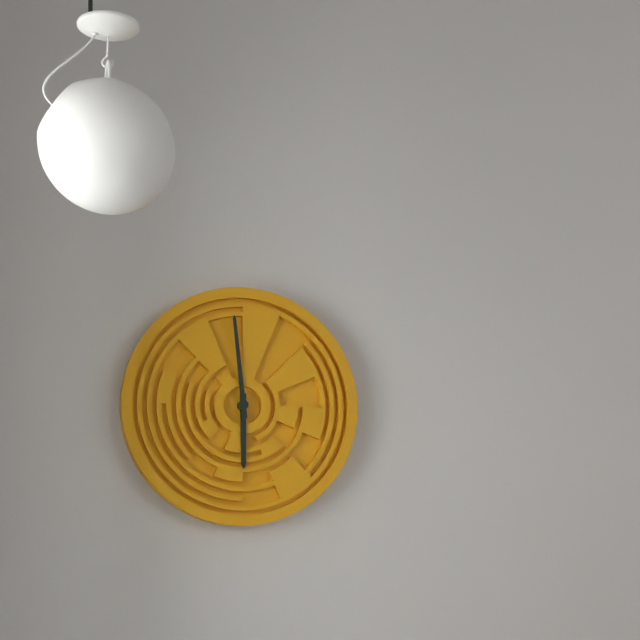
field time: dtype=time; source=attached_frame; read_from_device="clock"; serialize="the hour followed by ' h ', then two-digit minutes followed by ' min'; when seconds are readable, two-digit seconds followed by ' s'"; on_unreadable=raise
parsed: 5 h 59 min
